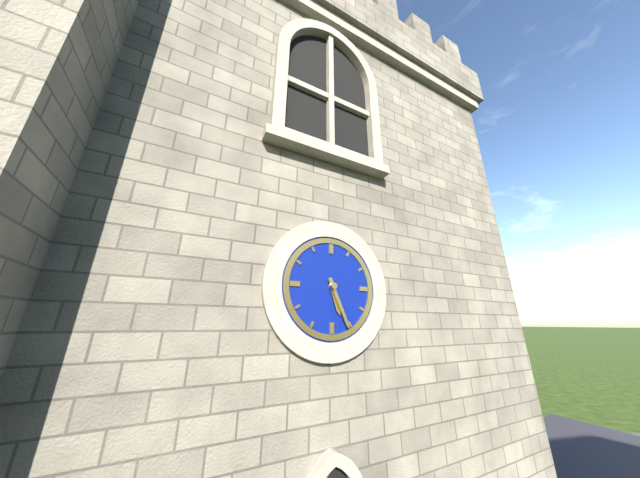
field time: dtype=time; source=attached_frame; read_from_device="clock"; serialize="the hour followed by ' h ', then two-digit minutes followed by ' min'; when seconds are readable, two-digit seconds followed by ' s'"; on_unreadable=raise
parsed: 5 h 26 min
